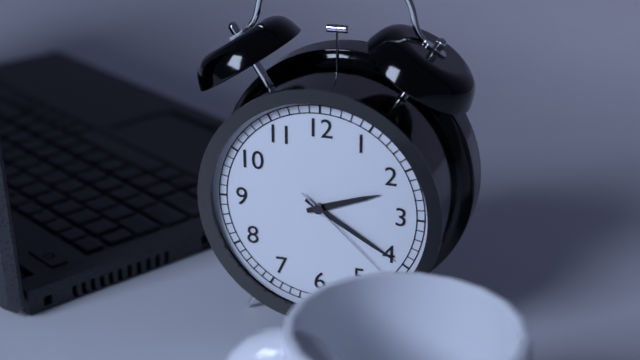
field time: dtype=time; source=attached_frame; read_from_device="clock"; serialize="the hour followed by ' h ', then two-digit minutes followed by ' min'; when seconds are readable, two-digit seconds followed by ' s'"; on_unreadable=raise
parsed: 2 h 20 min 22 s
